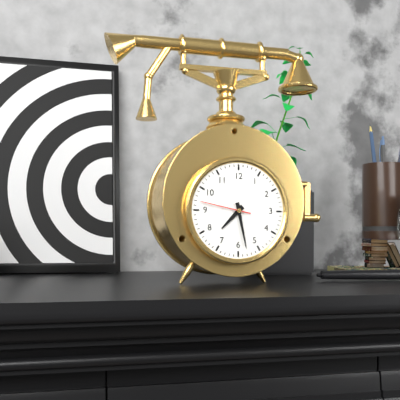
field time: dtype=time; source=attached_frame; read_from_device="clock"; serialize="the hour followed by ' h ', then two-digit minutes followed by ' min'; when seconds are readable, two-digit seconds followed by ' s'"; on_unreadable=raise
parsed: 7 h 28 min 47 s
